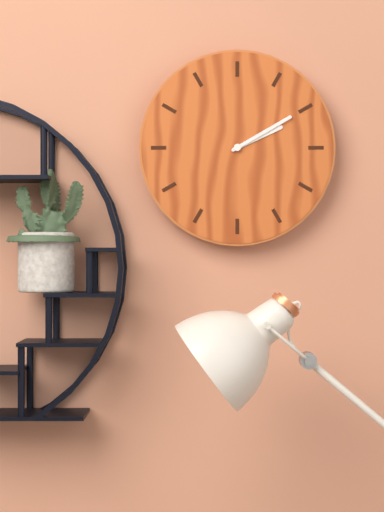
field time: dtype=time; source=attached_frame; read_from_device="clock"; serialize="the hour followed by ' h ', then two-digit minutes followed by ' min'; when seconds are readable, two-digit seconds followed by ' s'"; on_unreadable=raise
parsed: 2 h 10 min
